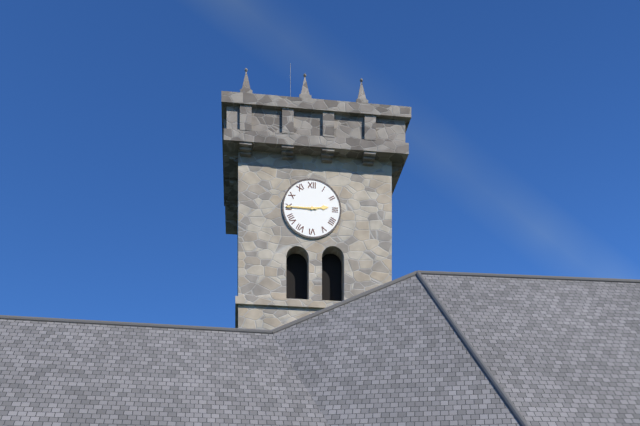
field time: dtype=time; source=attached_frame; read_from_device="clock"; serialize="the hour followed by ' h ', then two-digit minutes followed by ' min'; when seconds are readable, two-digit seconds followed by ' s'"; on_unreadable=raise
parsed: 2 h 45 min
